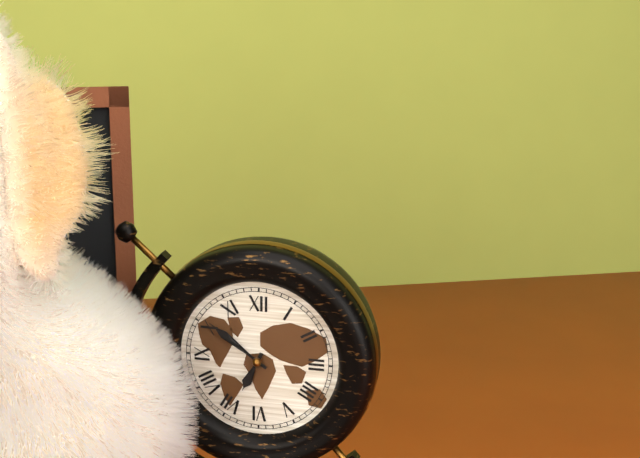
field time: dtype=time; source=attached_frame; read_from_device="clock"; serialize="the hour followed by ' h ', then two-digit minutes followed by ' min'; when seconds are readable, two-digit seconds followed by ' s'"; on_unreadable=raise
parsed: 6 h 51 min
